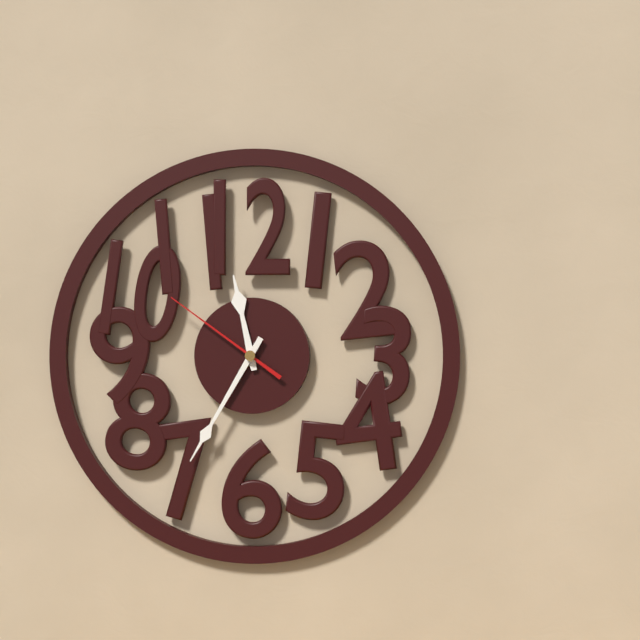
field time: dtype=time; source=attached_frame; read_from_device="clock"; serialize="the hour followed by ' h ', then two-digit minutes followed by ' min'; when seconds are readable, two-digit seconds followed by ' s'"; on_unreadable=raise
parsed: 11 h 35 min 51 s
